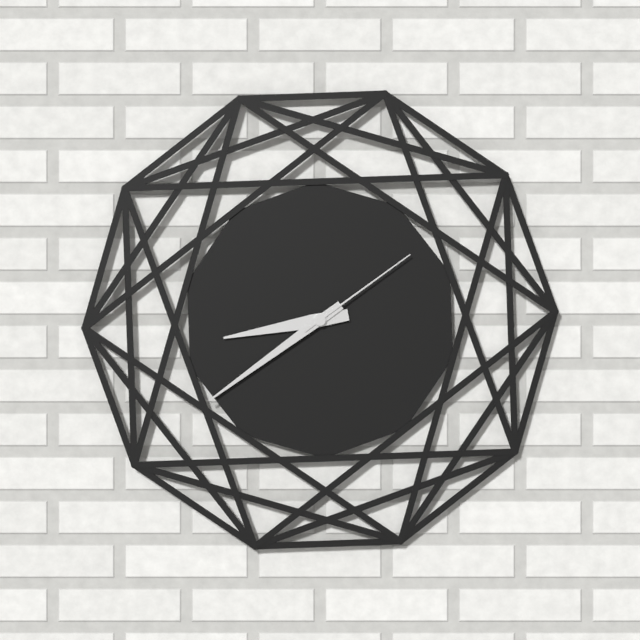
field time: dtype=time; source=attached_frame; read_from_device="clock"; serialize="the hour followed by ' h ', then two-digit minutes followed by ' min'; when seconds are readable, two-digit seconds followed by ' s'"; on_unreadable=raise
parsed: 8 h 39 min 09 s
